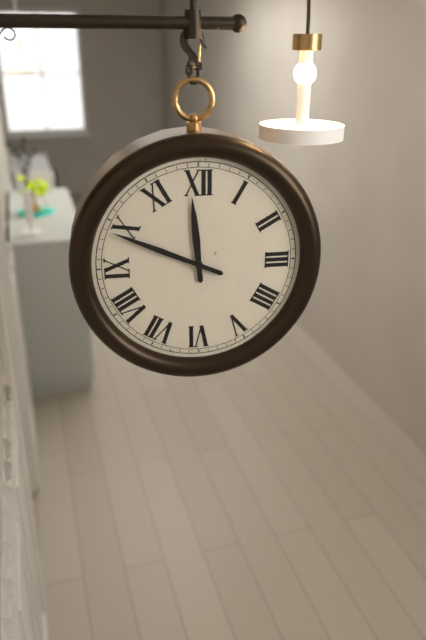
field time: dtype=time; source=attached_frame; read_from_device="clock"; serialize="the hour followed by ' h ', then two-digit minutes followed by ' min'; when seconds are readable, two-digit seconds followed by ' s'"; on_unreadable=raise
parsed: 11 h 49 min
